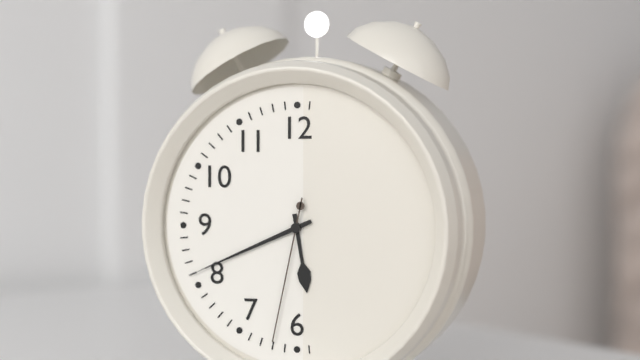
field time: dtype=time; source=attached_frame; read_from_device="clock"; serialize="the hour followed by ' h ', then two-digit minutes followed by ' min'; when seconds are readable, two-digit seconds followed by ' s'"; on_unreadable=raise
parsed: 5 h 41 min 32 s
